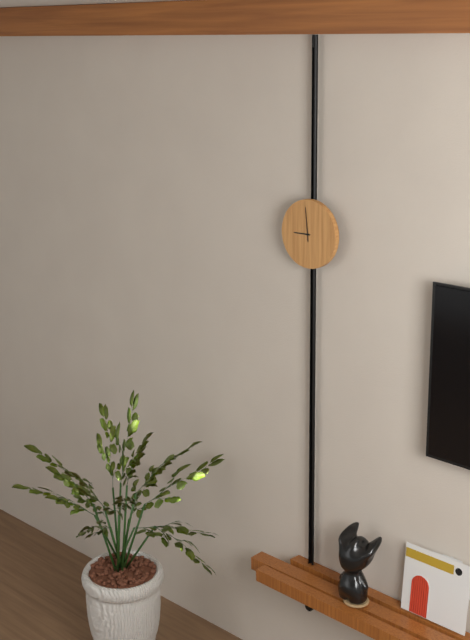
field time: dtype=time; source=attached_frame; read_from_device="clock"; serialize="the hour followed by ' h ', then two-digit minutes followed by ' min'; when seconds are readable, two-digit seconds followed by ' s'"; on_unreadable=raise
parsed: 8 h 59 min
